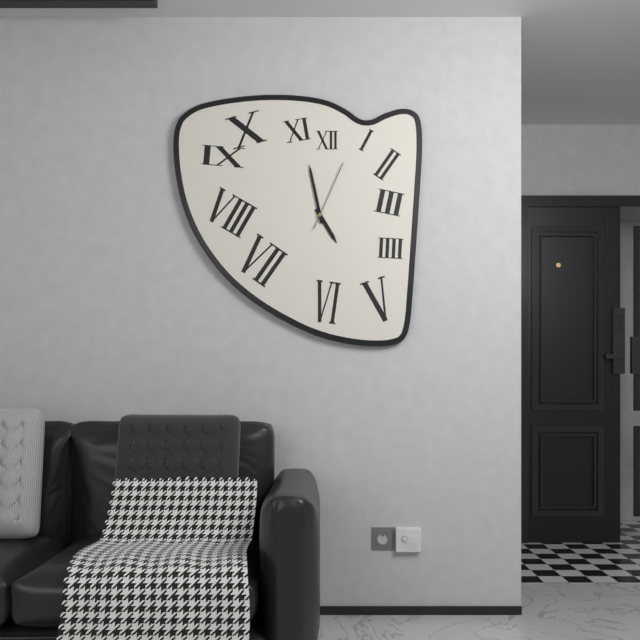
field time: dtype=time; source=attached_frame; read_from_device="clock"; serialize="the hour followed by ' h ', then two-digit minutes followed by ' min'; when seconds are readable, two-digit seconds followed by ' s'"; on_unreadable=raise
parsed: 4 h 58 min 04 s
